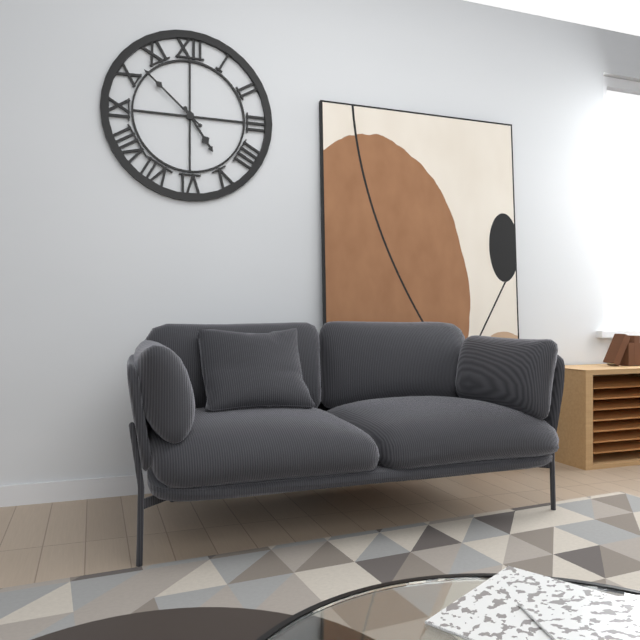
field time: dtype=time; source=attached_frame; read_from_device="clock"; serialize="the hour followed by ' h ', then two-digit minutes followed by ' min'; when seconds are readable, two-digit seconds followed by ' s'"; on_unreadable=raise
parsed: 4 h 52 min
